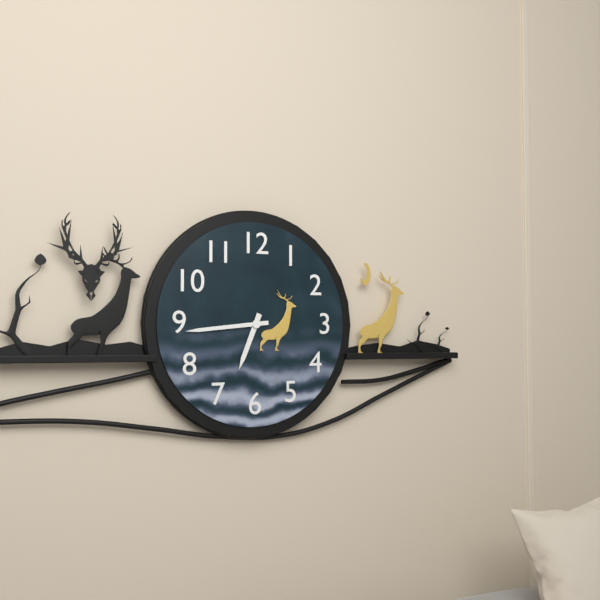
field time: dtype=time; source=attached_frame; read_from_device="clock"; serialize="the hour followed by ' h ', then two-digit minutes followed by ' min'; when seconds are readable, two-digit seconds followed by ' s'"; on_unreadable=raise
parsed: 6 h 44 min
